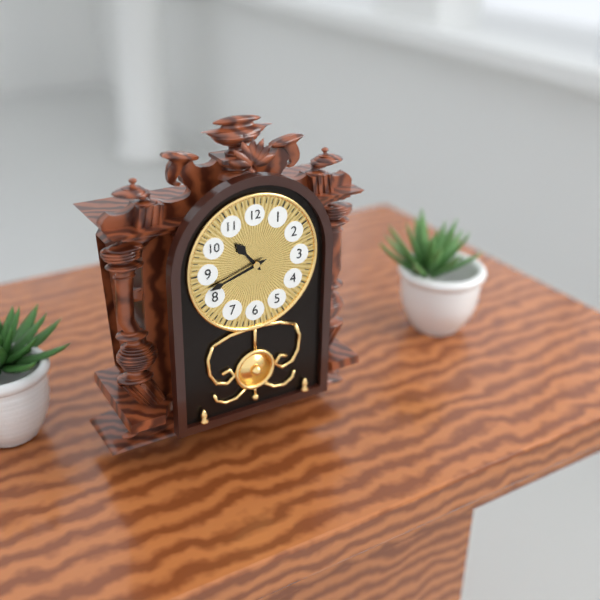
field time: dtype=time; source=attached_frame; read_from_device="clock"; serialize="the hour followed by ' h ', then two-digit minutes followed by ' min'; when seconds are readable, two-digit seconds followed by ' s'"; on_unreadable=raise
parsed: 10 h 42 min
